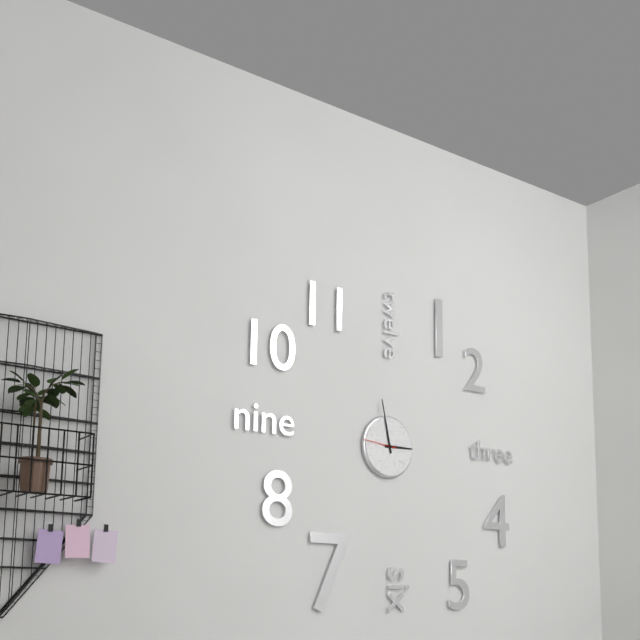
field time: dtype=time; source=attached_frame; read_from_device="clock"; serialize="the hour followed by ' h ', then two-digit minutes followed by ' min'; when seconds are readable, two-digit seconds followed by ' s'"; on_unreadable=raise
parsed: 2 h 58 min
